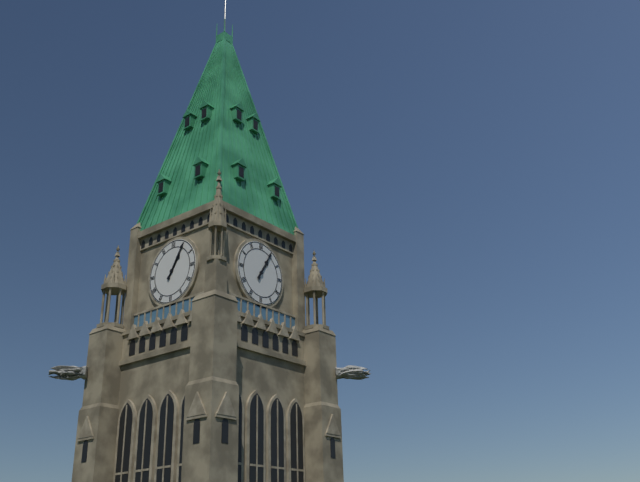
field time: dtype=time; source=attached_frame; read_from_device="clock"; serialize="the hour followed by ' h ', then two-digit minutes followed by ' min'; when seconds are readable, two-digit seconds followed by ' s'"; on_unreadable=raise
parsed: 1 h 05 min
